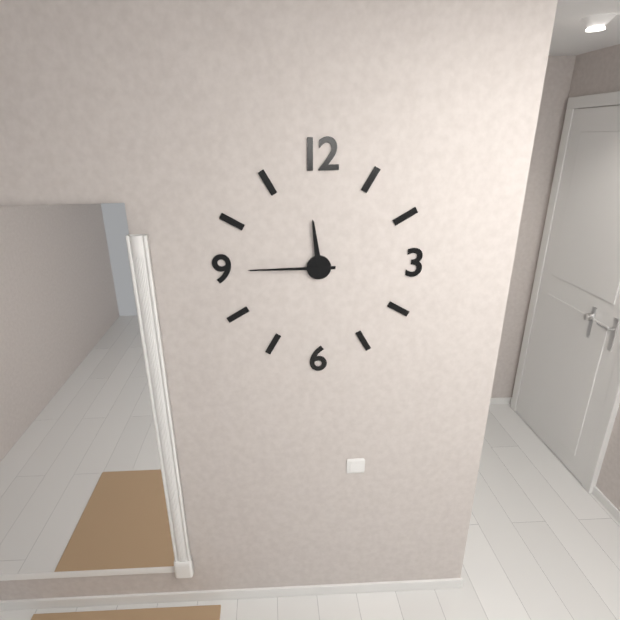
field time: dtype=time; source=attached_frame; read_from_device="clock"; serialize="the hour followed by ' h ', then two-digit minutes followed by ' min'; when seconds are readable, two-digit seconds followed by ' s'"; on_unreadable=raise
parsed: 11 h 45 min
